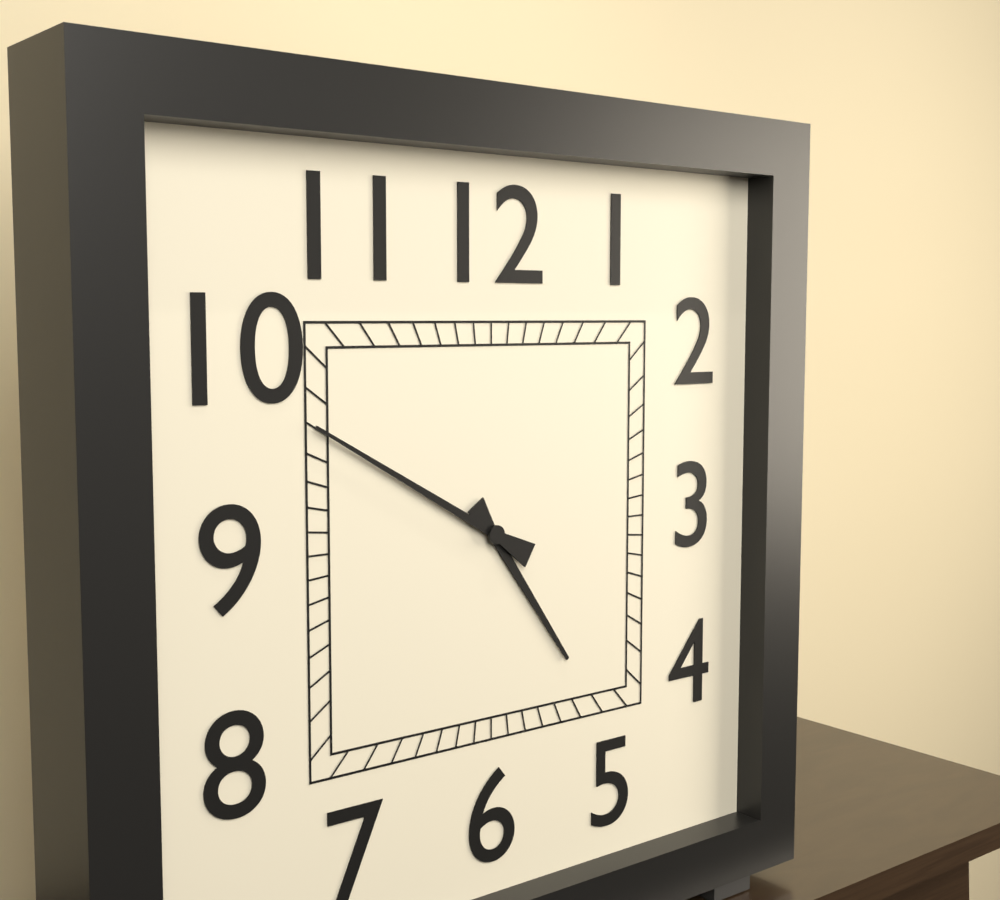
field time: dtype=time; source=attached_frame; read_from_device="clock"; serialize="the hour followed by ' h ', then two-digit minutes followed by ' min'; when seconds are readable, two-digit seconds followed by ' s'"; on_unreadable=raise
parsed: 4 h 50 min
